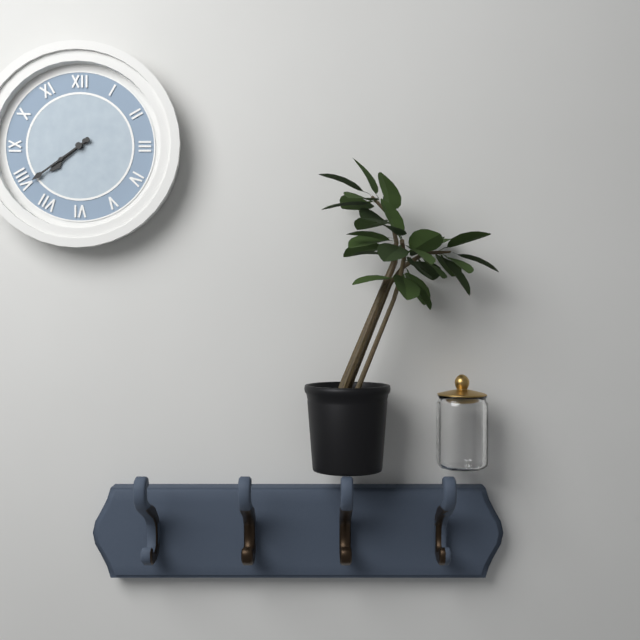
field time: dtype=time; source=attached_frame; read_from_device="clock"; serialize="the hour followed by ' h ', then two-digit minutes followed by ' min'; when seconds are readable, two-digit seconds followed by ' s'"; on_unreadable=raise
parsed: 7 h 39 min
